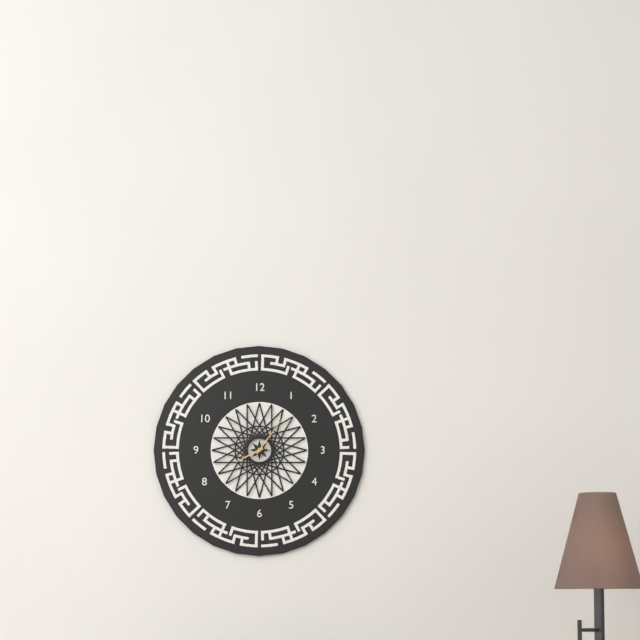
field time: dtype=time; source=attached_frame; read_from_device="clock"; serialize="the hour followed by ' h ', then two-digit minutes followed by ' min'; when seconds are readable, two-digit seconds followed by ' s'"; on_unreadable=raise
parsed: 8 h 06 min
